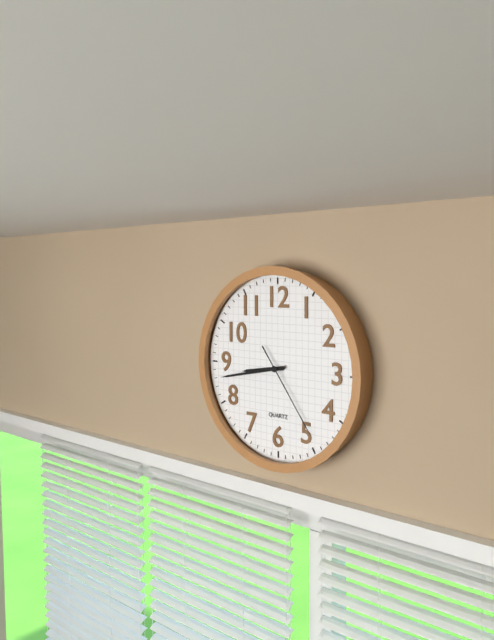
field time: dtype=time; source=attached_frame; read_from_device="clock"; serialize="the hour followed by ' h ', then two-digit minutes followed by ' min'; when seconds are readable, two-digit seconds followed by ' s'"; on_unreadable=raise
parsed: 8 h 43 min 24 s
